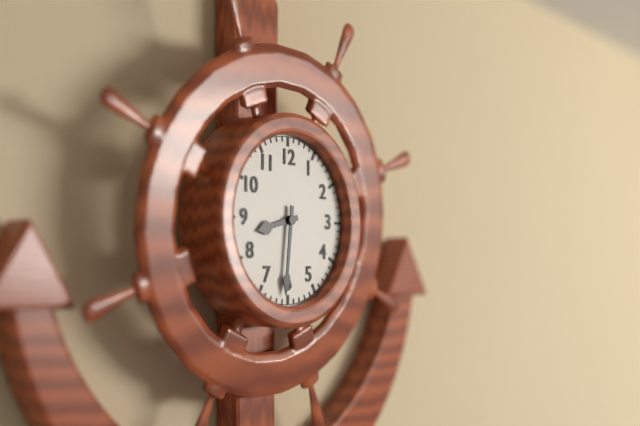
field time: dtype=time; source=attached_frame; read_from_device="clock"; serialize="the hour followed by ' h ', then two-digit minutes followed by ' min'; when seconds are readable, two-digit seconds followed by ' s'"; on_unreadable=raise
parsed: 8 h 31 min
